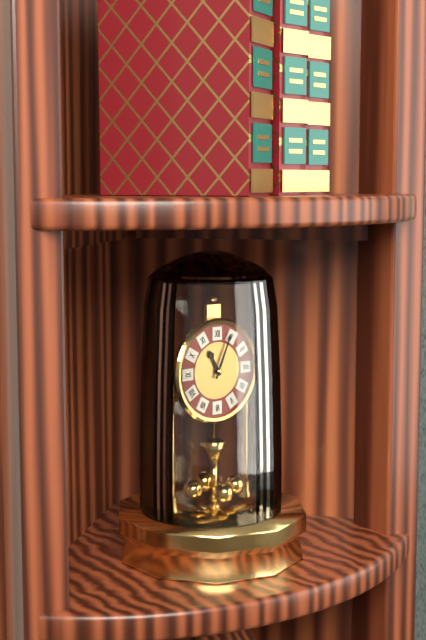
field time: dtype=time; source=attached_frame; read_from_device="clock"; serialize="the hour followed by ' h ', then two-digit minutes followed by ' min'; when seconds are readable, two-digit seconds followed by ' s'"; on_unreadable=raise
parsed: 11 h 04 min
